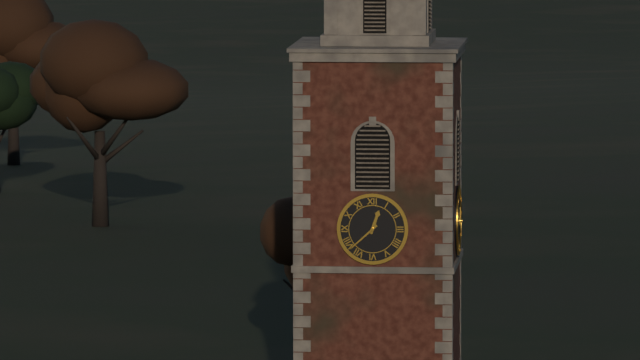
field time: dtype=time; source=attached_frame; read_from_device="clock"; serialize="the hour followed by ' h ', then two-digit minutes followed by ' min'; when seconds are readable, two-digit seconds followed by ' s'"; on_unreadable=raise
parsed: 12 h 38 min
